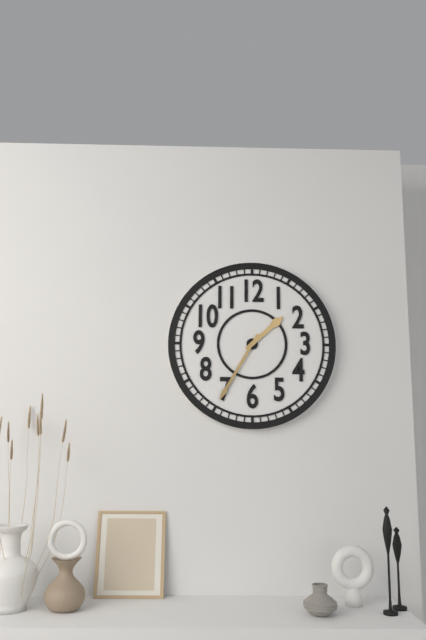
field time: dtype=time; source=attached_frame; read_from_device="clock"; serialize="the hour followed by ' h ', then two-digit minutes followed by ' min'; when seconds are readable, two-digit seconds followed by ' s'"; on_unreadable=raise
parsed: 1 h 35 min
